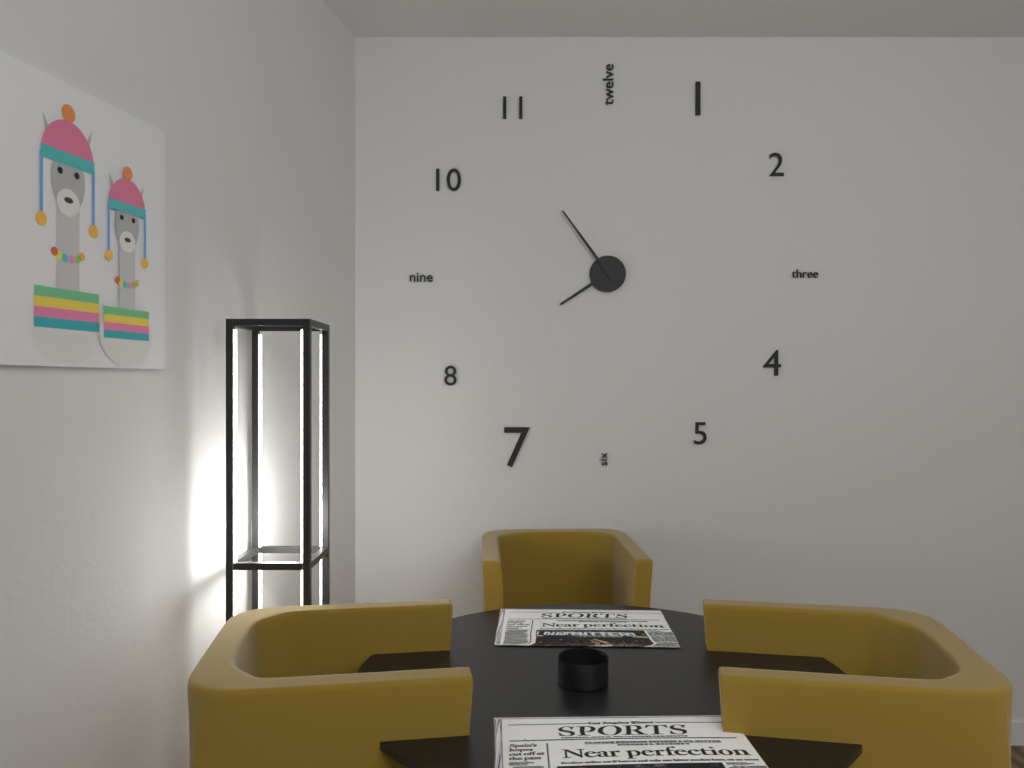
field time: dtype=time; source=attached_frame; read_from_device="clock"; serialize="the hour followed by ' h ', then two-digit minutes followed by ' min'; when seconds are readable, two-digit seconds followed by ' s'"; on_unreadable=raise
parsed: 7 h 54 min
